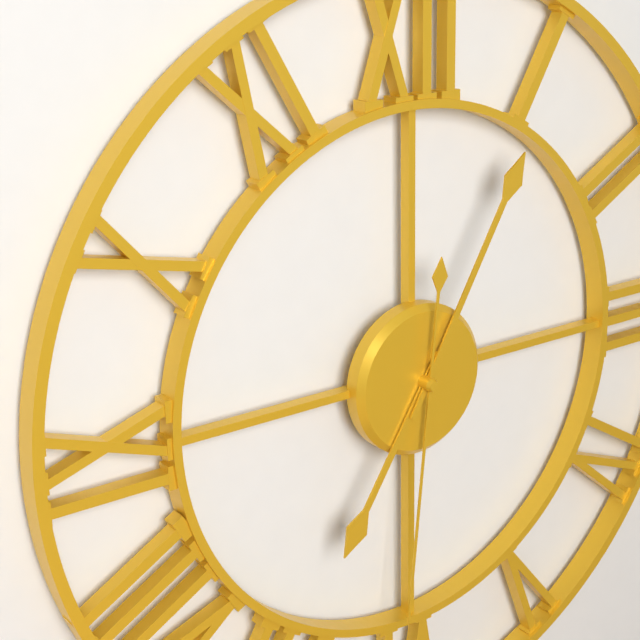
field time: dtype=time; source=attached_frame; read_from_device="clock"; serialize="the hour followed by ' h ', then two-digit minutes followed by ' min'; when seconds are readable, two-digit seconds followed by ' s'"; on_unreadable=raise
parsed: 7 h 05 min 31 s
